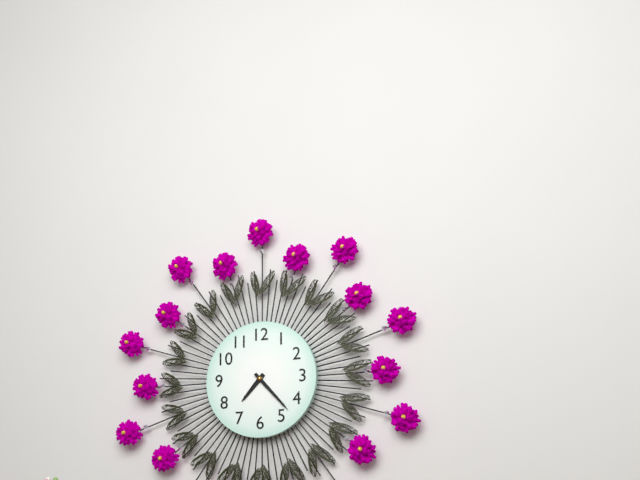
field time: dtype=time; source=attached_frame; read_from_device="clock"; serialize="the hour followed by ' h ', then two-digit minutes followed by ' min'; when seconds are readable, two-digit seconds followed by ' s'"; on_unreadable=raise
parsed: 7 h 23 min
